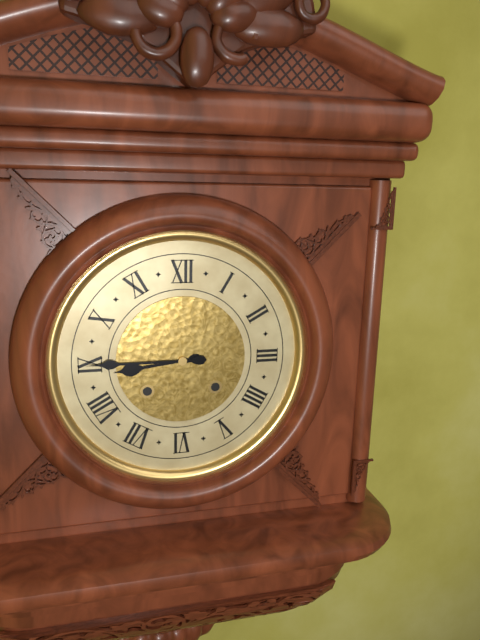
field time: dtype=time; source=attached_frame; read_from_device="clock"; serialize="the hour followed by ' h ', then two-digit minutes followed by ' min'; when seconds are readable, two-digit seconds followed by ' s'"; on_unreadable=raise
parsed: 8 h 45 min
